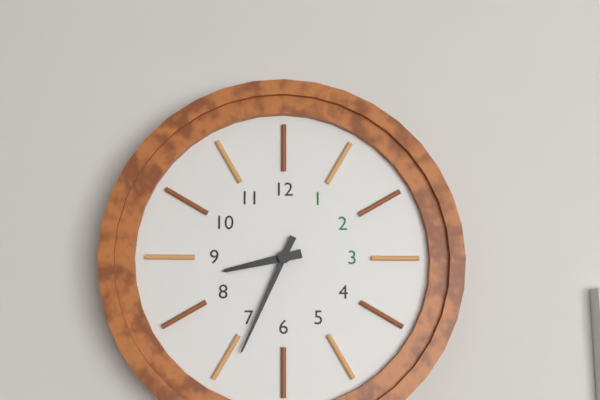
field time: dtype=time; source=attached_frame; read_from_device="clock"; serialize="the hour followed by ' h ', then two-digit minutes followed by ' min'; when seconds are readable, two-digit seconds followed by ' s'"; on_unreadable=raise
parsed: 8 h 34 min
